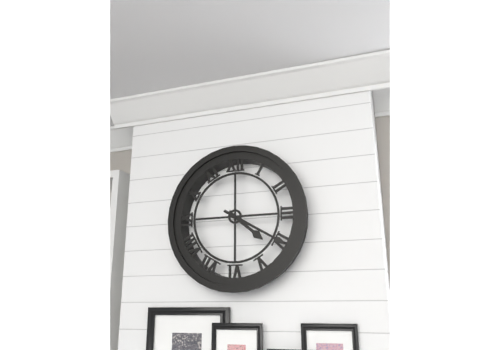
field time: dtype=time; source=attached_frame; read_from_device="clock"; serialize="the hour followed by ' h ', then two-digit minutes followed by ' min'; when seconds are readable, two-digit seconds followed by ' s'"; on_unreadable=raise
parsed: 4 h 20 min
